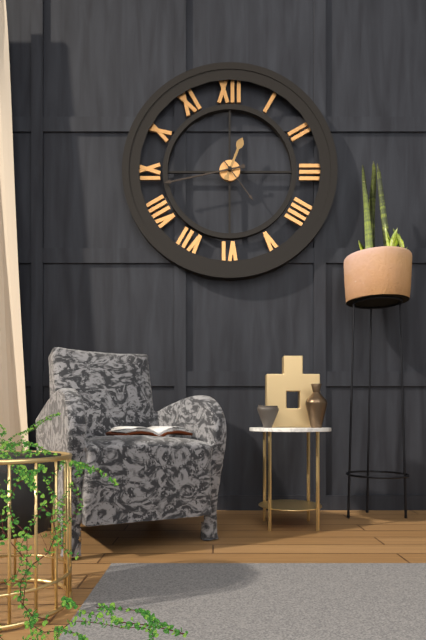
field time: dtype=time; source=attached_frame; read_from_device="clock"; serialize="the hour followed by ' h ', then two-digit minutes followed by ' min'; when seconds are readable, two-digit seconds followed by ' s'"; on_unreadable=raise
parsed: 12 h 43 min
